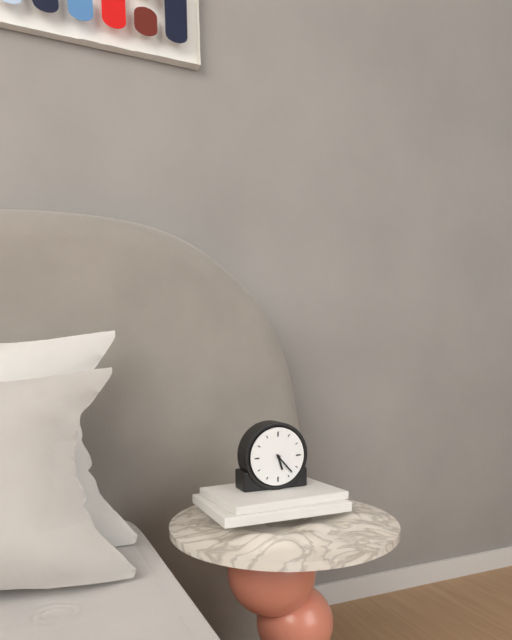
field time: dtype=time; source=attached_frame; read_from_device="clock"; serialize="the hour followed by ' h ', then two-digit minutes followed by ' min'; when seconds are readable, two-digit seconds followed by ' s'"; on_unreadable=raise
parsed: 5 h 23 min
